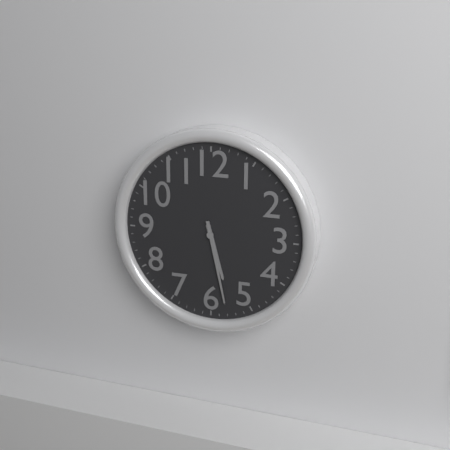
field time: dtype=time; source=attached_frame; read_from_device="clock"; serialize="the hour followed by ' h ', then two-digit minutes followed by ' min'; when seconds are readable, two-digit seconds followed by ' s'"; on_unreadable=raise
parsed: 5 h 28 min
